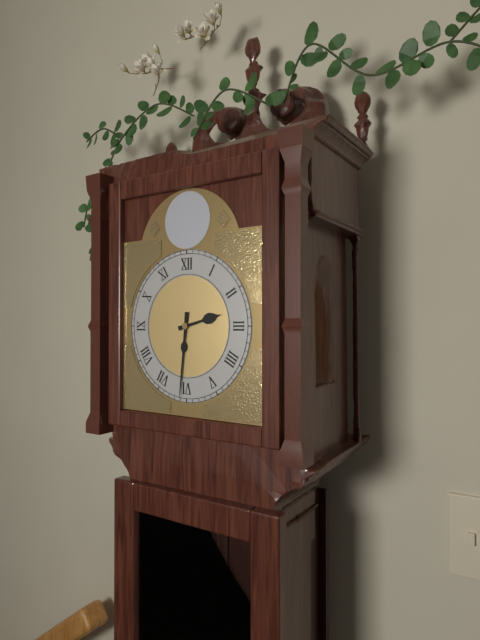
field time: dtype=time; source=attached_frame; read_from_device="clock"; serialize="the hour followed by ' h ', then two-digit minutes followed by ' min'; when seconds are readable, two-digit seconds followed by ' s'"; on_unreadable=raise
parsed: 2 h 31 min
